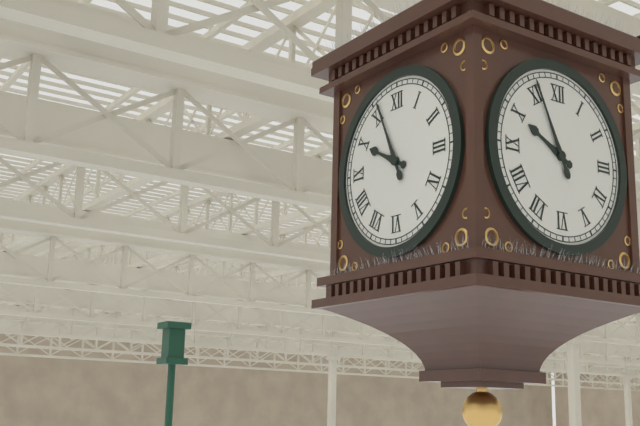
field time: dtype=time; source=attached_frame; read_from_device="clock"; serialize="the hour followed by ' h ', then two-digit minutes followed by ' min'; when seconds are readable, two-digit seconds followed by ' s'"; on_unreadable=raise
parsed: 9 h 56 min
